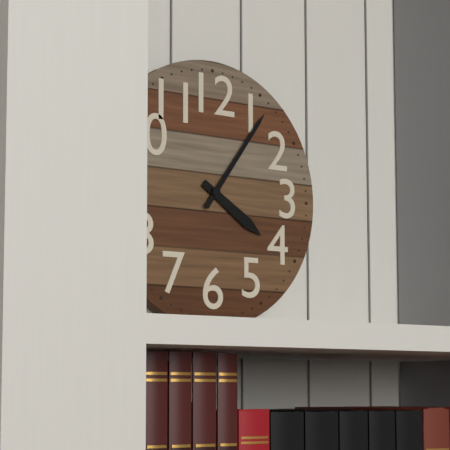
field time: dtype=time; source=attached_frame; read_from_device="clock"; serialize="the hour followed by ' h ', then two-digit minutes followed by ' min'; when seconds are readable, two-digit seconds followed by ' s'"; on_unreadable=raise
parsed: 4 h 06 min
